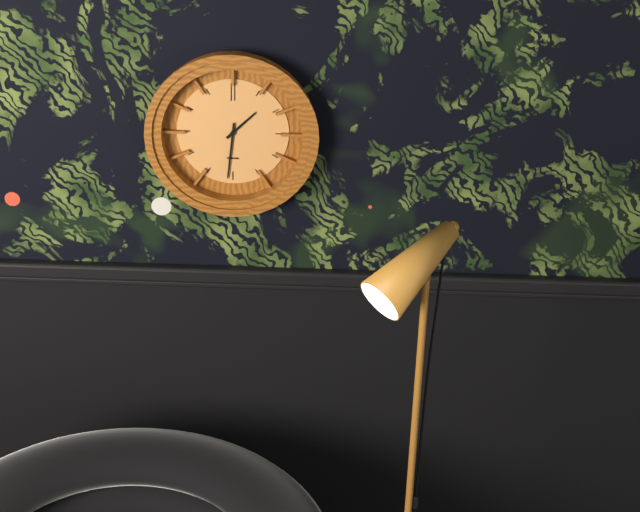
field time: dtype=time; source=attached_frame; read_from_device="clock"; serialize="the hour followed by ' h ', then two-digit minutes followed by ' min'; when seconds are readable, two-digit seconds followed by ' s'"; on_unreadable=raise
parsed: 1 h 31 min
